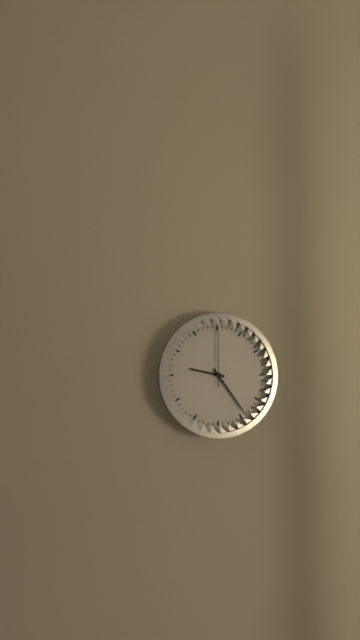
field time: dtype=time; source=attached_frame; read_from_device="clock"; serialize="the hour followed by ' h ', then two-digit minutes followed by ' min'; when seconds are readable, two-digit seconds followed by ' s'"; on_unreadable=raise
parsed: 9 h 24 min 00 s
